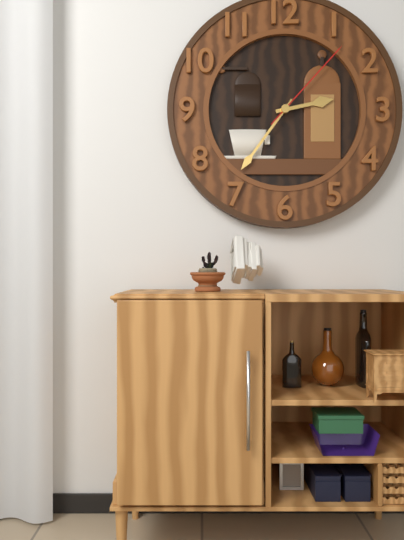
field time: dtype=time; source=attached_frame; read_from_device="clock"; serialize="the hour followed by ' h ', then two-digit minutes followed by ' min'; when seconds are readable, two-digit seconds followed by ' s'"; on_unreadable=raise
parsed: 2 h 36 min 07 s
